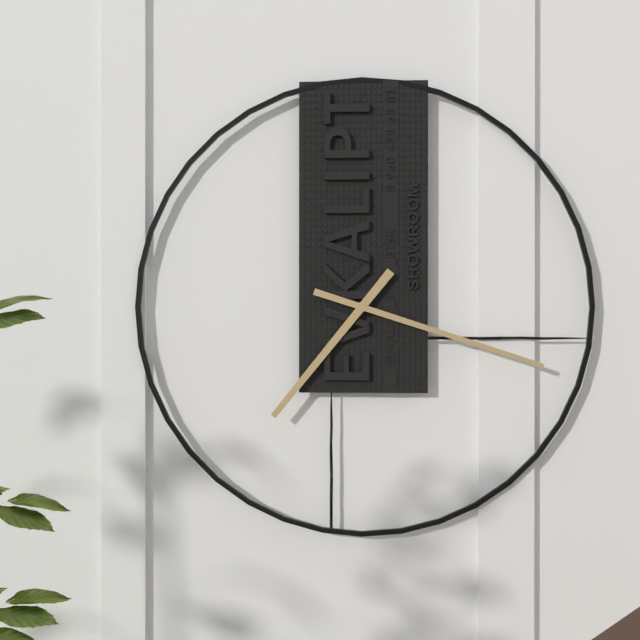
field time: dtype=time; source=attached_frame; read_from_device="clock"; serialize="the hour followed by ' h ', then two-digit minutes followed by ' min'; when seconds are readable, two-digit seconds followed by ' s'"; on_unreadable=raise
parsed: 7 h 18 min
